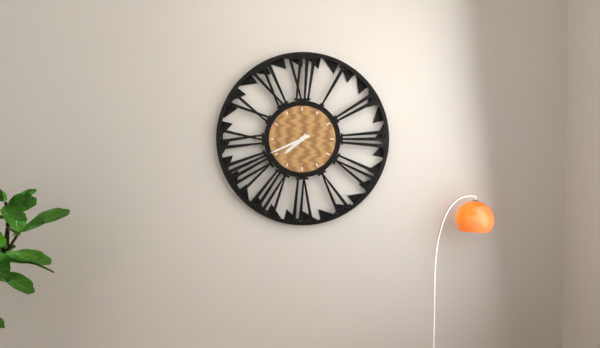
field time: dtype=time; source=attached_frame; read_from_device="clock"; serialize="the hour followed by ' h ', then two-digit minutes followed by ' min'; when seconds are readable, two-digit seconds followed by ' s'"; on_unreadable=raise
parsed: 7 h 41 min
